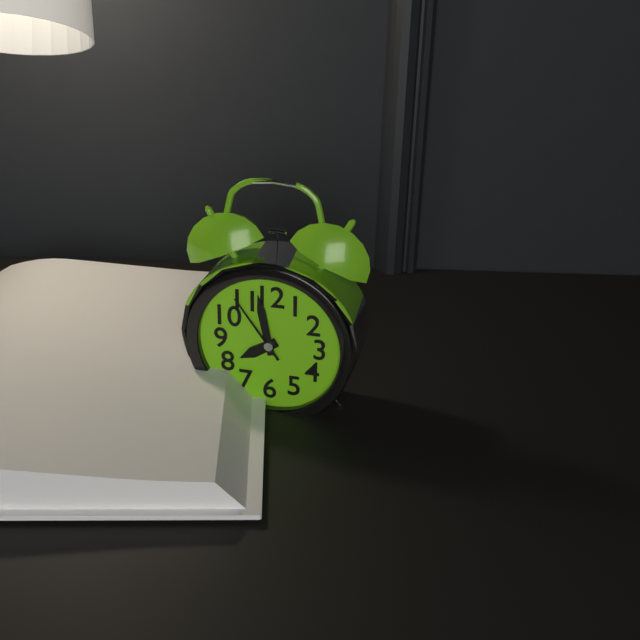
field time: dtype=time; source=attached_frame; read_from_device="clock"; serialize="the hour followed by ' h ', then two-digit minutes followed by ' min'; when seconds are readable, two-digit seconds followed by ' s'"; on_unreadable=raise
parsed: 7 h 58 min 54 s
